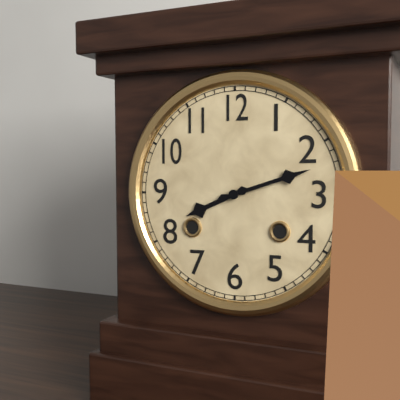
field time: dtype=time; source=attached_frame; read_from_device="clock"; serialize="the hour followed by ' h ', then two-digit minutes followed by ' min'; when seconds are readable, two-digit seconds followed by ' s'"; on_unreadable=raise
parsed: 8 h 12 min
